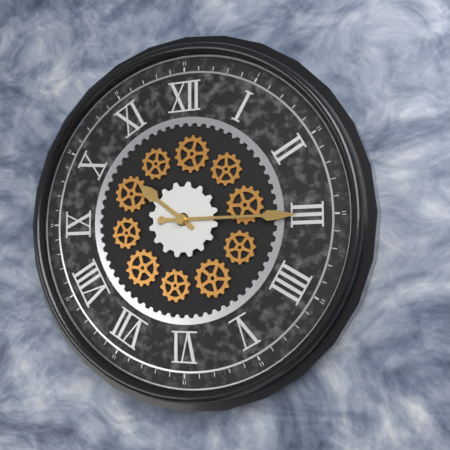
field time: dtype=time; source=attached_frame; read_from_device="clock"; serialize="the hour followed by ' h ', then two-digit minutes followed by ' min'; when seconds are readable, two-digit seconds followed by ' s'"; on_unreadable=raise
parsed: 10 h 15 min
